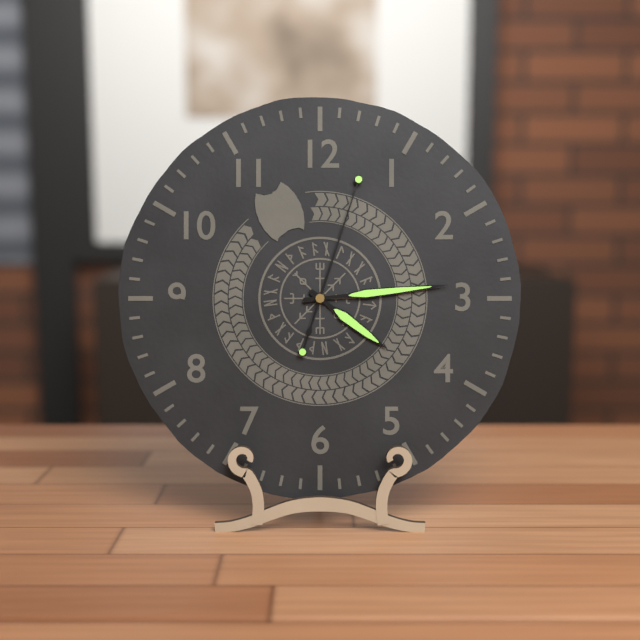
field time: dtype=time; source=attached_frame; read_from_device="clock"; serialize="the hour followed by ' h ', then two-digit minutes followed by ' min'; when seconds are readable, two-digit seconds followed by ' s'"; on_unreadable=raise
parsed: 4 h 14 min 03 s
